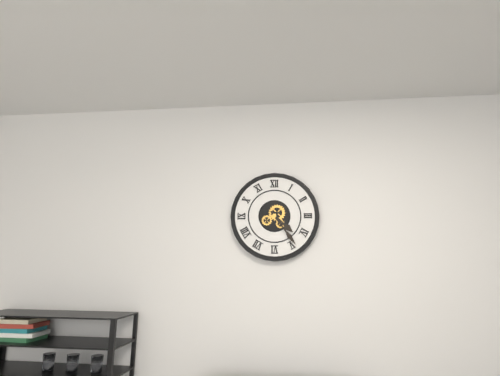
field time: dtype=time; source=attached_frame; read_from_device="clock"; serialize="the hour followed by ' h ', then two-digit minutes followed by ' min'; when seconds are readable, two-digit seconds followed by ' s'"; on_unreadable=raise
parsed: 4 h 24 min
